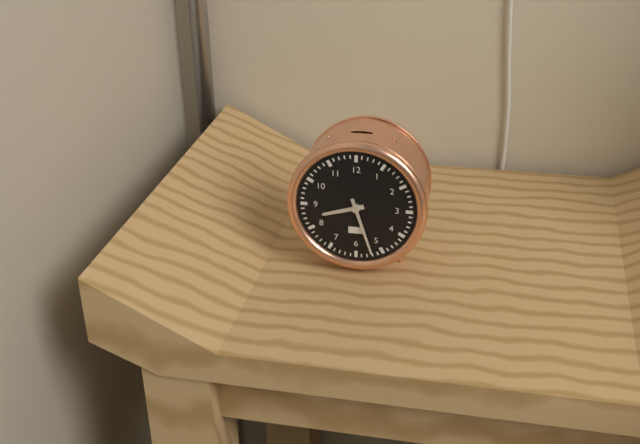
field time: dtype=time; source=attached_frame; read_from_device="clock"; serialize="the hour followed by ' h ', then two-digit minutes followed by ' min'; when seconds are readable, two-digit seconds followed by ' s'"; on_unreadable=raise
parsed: 8 h 27 min
